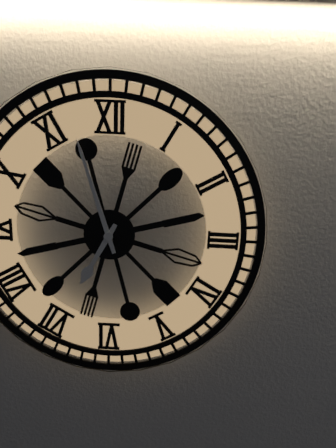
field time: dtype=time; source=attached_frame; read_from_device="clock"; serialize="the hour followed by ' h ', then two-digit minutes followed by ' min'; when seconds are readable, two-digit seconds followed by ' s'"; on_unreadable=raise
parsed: 6 h 57 min
